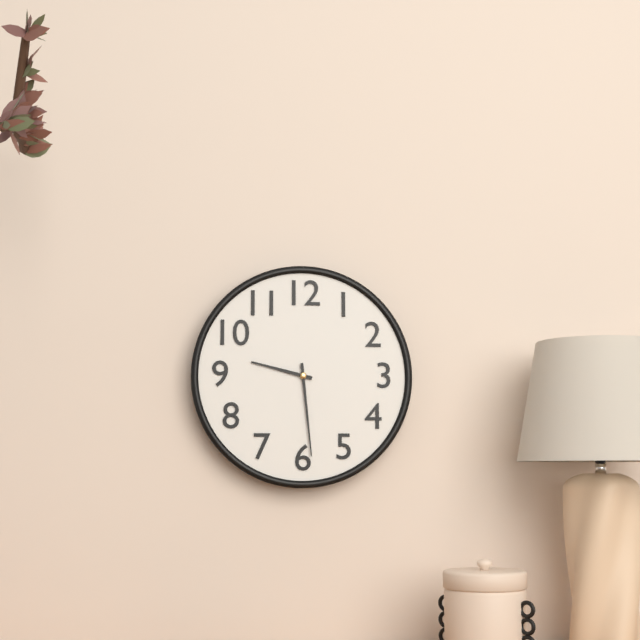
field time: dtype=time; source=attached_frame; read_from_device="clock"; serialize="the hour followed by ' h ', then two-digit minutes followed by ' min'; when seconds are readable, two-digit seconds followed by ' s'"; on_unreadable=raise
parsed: 9 h 29 min
